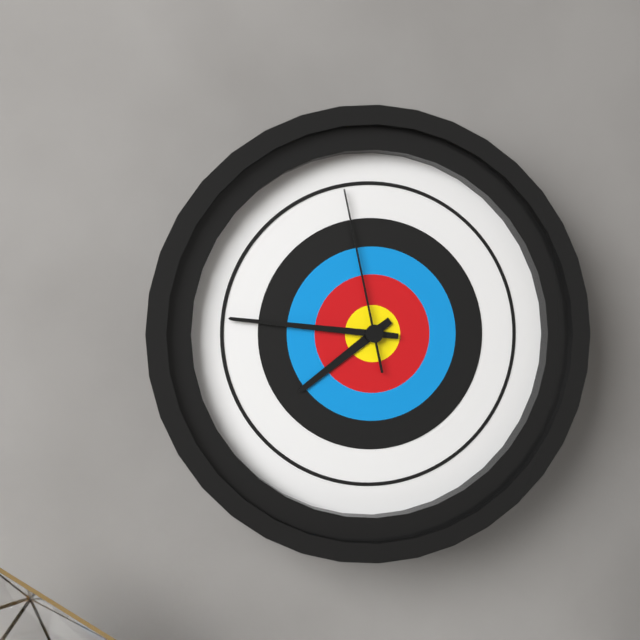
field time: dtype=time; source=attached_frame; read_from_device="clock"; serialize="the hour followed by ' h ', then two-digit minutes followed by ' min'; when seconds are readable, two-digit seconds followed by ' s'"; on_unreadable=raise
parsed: 7 h 46 min 58 s
